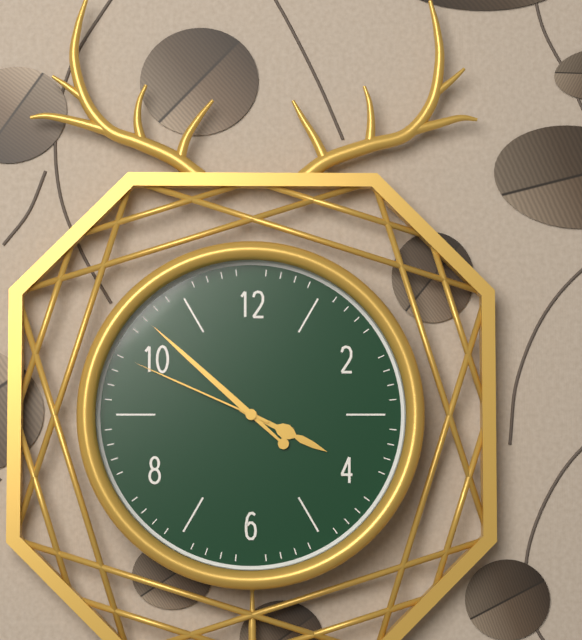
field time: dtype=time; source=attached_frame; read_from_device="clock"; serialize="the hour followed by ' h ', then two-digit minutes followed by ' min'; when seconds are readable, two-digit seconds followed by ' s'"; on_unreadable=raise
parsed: 3 h 52 min 49 s
